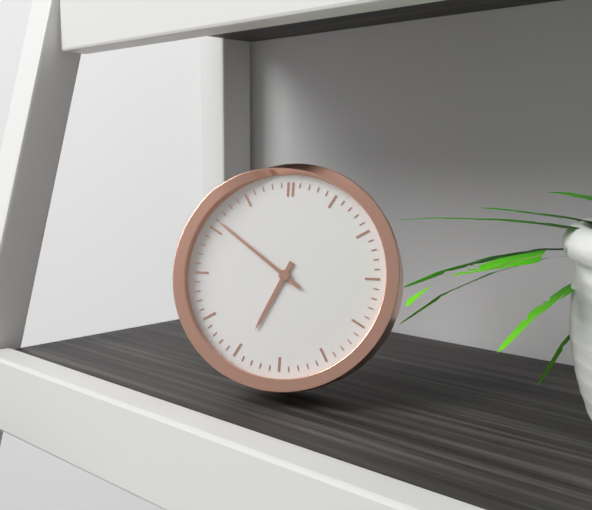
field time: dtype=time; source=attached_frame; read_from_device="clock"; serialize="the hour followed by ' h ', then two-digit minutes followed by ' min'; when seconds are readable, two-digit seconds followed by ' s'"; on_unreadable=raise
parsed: 6 h 51 min
